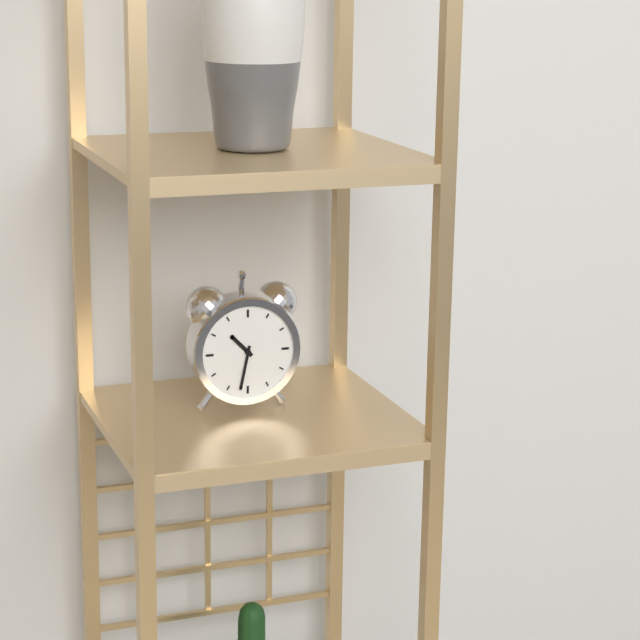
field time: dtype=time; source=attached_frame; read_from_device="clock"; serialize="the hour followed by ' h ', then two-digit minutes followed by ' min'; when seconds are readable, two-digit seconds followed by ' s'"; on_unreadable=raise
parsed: 10 h 32 min
